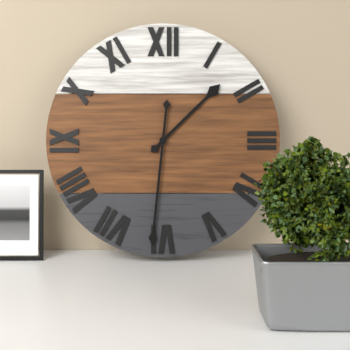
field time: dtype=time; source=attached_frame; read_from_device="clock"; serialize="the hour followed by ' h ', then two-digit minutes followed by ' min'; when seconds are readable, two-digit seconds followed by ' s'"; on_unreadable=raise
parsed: 1 h 31 min
